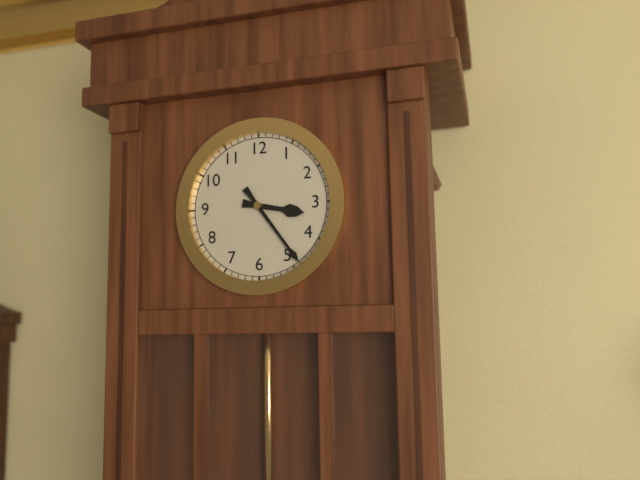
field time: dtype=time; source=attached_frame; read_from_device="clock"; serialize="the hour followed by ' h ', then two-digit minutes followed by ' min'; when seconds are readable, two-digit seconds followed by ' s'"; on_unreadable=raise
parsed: 3 h 24 min
